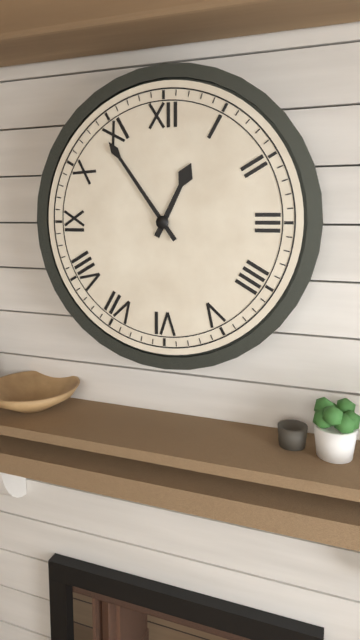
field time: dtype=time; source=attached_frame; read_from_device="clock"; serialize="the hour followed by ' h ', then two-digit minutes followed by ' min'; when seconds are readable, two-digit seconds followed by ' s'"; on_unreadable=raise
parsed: 12 h 54 min
